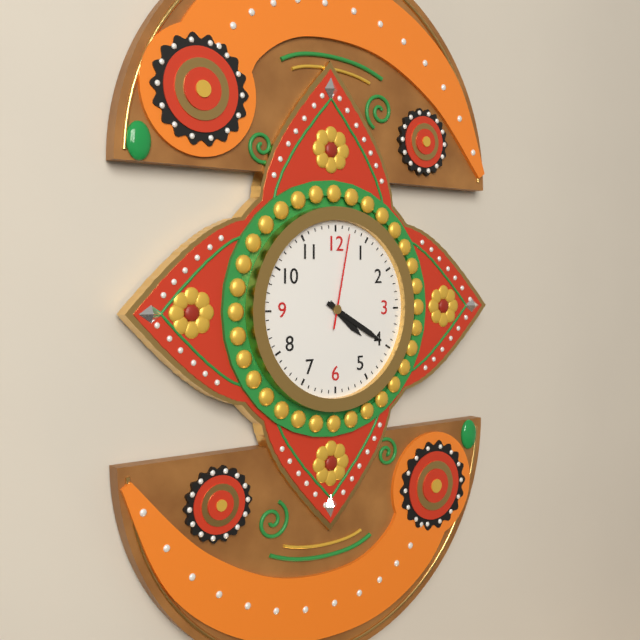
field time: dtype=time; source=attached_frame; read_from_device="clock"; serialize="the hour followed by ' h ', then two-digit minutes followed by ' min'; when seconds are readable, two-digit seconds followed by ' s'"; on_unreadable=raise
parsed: 4 h 20 min 02 s
